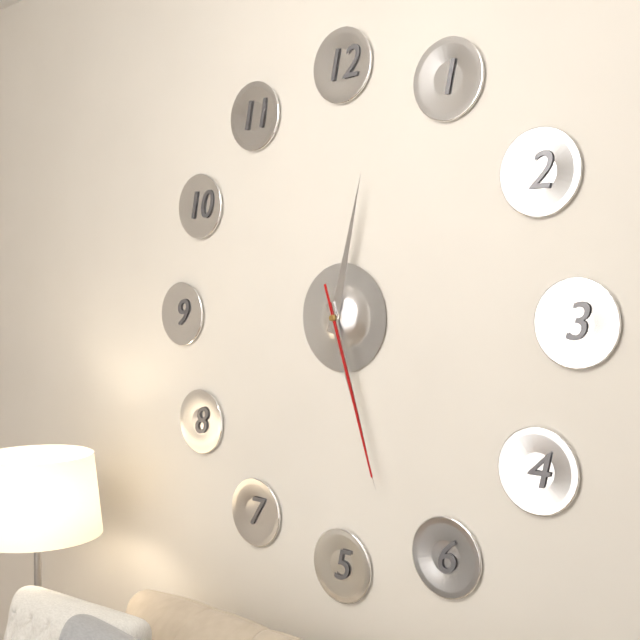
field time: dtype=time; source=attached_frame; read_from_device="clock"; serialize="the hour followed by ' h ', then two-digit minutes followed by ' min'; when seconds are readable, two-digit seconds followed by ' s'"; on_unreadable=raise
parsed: 12 h 27 min 27 s
